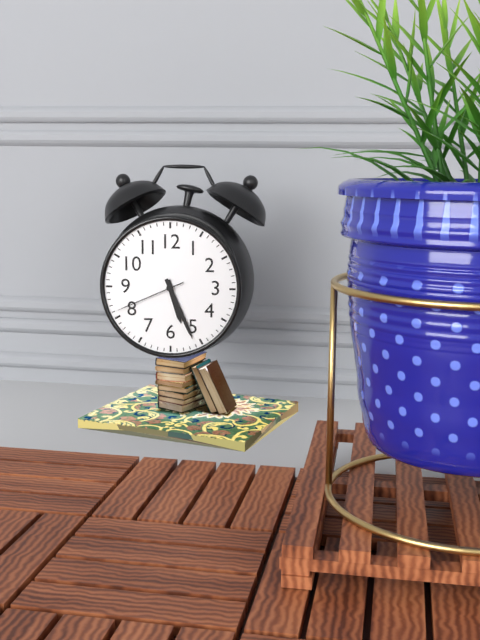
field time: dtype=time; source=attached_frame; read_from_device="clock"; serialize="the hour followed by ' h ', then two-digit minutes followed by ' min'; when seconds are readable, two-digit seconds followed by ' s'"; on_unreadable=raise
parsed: 5 h 26 min 41 s
